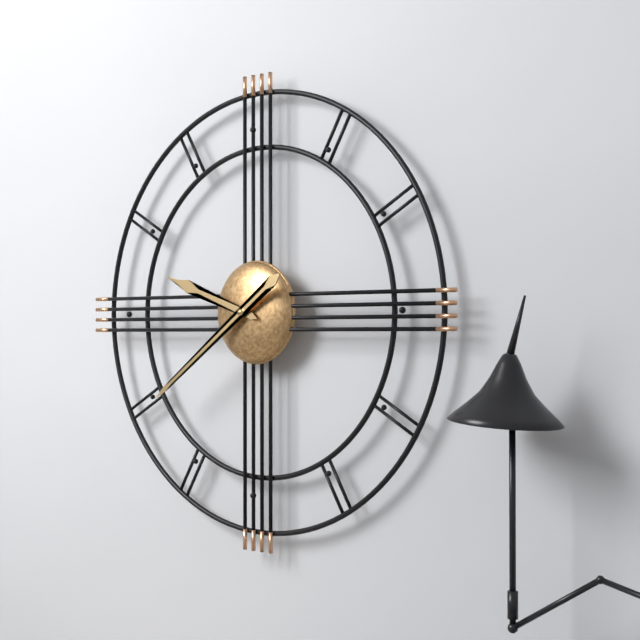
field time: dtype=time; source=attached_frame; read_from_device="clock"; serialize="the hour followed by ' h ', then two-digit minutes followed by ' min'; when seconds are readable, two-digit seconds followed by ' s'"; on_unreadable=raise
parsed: 9 h 39 min
